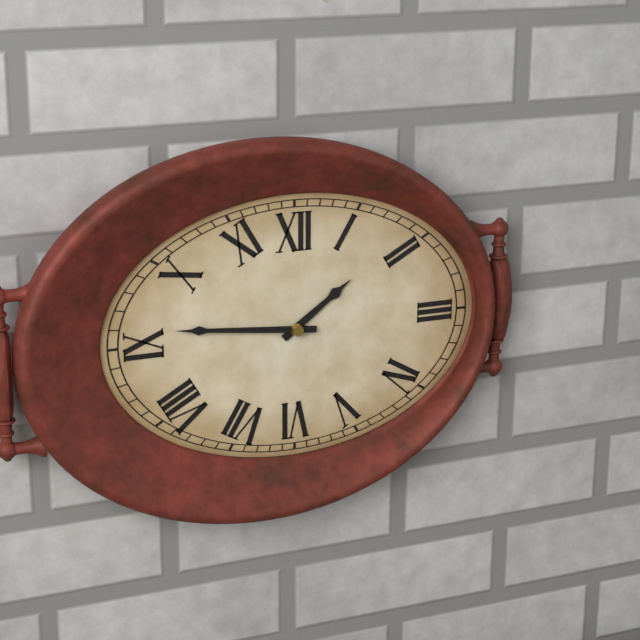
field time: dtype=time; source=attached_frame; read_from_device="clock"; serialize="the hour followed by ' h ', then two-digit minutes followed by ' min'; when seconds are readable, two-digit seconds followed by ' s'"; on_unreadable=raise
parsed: 1 h 46 min
